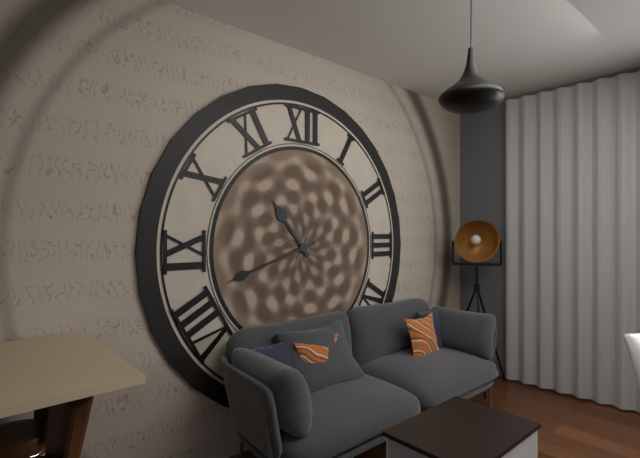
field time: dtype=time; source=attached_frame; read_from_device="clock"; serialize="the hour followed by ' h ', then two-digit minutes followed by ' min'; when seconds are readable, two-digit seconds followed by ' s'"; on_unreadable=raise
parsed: 10 h 42 min
